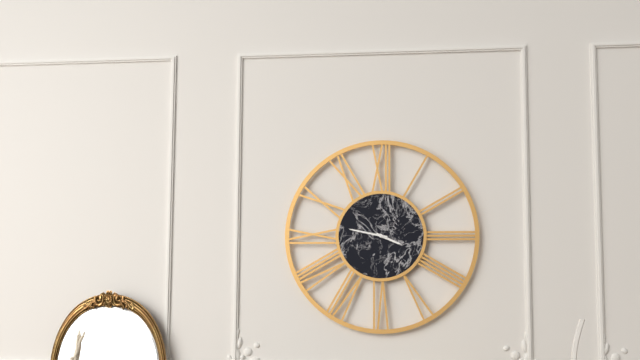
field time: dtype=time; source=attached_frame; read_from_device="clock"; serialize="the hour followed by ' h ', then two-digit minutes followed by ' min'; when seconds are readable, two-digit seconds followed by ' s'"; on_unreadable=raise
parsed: 3 h 47 min
